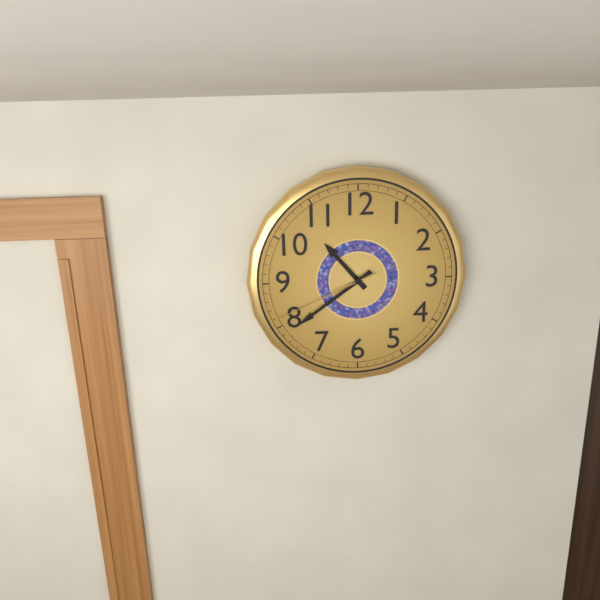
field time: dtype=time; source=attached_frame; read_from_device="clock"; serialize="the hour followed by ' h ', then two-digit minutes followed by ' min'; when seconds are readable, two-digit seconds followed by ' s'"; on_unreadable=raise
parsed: 10 h 39 min 41 s
